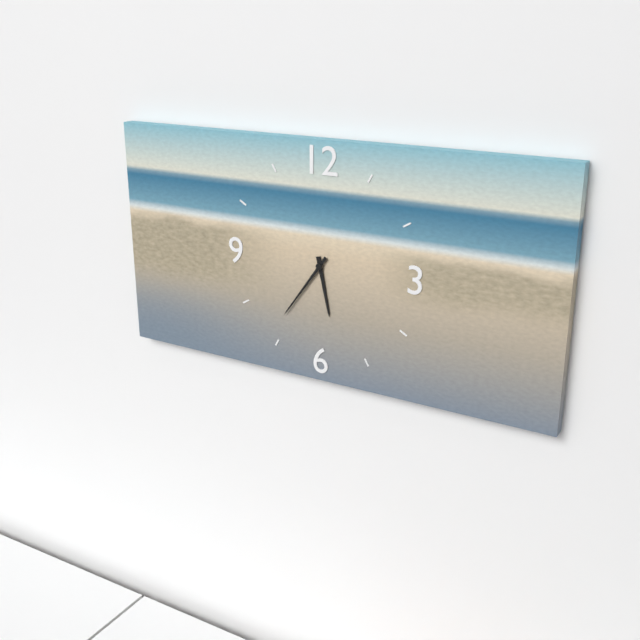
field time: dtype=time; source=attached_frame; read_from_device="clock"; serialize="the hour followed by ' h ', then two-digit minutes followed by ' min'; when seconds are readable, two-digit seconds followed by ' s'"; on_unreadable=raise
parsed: 5 h 36 min
